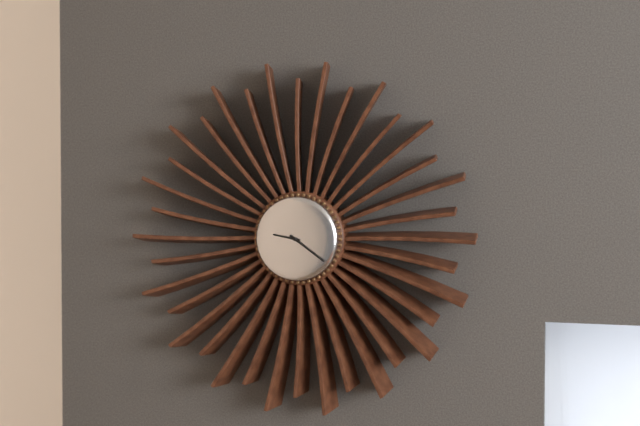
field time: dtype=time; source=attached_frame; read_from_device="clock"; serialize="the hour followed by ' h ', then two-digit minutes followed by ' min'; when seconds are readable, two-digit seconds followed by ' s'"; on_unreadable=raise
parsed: 9 h 21 min
